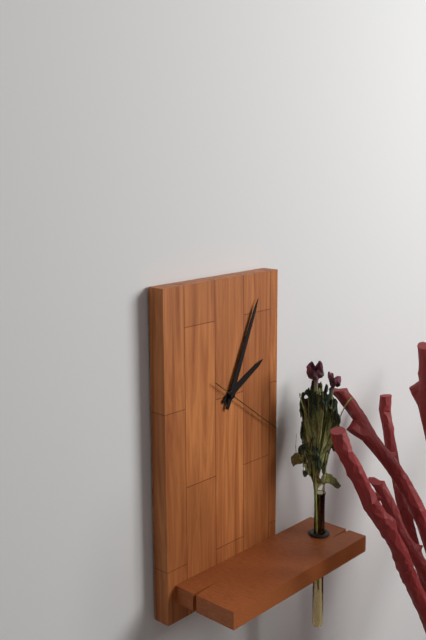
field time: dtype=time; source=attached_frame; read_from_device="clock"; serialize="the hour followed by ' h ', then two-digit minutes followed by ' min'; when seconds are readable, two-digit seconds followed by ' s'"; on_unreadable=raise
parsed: 2 h 04 min 21 s
